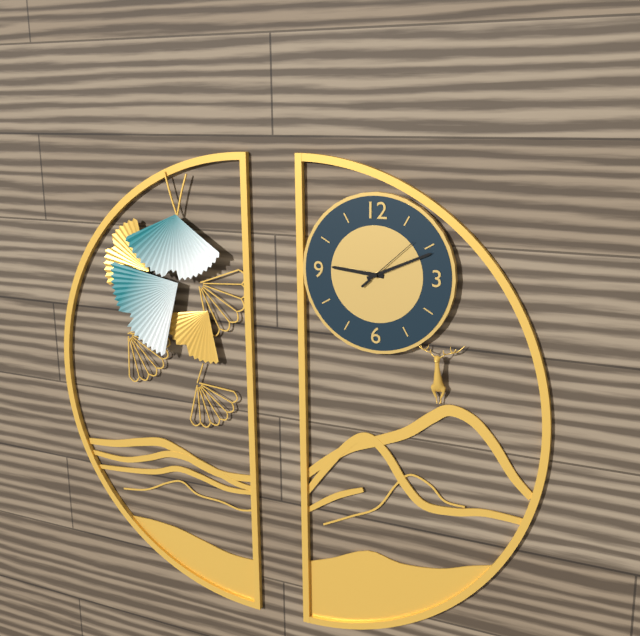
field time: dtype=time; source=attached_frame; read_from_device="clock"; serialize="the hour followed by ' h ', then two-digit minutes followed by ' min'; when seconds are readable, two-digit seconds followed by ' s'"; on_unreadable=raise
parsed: 9 h 11 min 08 s
